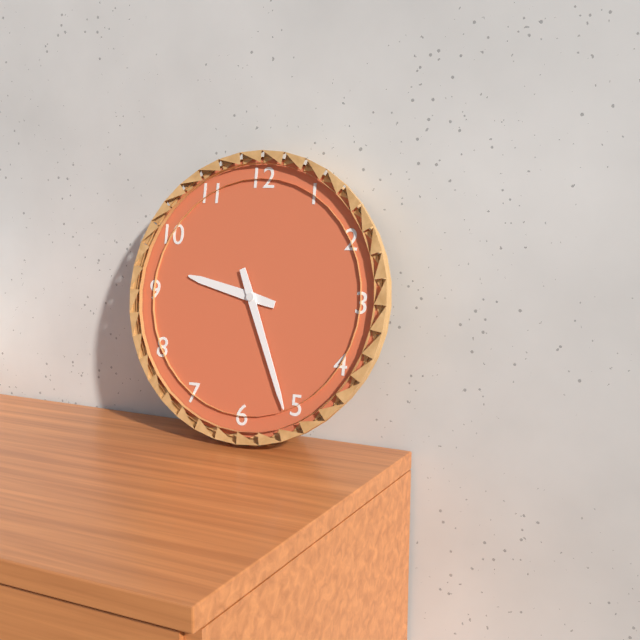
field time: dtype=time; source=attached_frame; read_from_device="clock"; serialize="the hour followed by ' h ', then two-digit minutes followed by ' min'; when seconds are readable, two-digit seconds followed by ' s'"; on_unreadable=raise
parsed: 9 h 26 min
